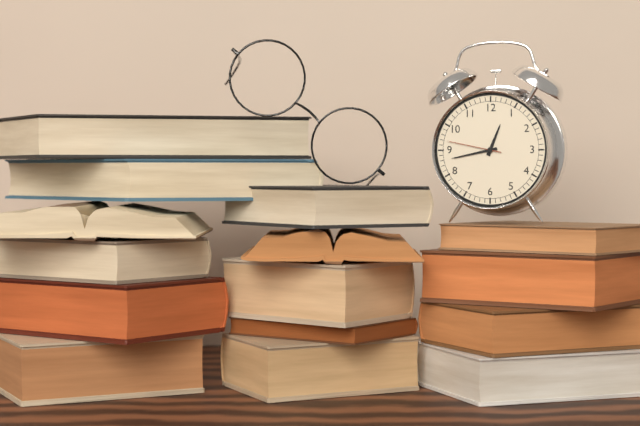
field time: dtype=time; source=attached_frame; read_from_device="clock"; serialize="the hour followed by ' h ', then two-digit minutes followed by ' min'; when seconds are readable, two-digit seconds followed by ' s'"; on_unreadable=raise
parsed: 12 h 43 min 47 s
